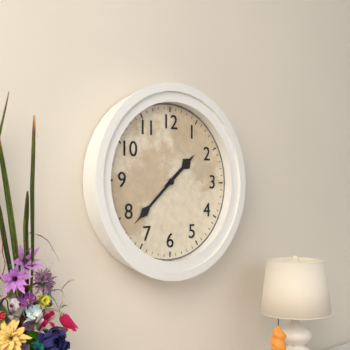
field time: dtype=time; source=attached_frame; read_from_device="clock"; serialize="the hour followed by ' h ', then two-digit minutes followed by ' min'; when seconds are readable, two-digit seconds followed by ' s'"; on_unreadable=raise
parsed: 1 h 38 min
